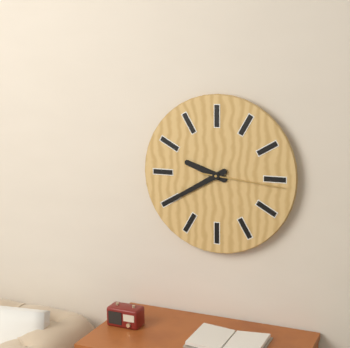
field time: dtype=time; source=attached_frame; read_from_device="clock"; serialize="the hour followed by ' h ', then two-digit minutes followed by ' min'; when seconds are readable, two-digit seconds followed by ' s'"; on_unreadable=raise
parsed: 9 h 40 min 16 s
